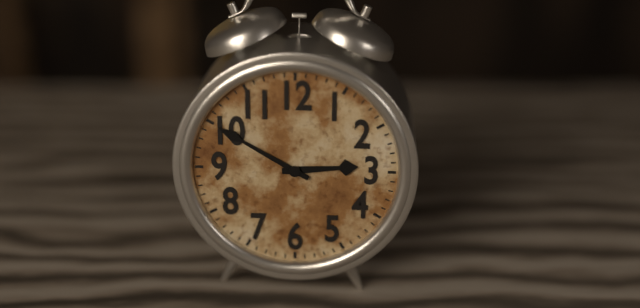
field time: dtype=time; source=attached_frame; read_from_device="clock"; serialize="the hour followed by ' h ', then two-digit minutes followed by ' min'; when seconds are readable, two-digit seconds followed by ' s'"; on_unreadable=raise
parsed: 2 h 50 min
